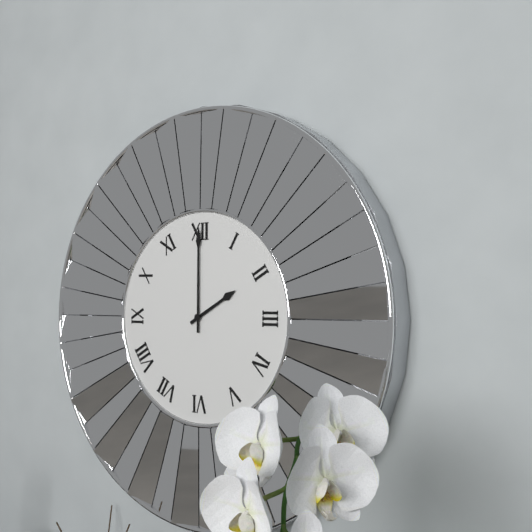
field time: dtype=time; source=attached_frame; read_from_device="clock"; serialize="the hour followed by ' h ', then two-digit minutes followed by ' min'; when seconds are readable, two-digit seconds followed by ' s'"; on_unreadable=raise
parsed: 2 h 00 min
